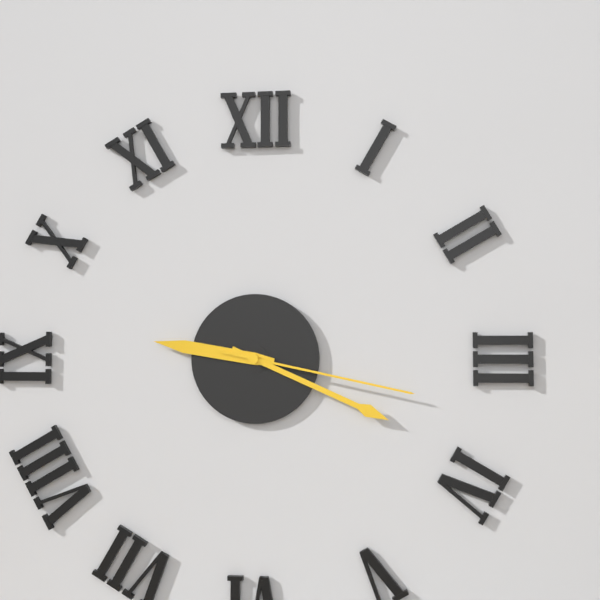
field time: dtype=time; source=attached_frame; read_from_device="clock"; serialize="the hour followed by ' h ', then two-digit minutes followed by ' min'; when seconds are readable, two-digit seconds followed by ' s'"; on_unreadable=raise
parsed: 9 h 19 min 17 s
